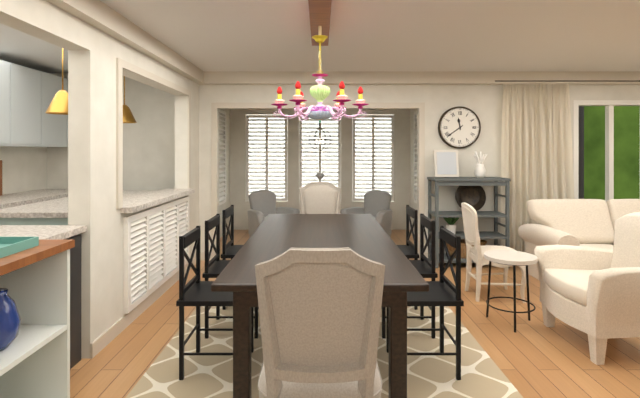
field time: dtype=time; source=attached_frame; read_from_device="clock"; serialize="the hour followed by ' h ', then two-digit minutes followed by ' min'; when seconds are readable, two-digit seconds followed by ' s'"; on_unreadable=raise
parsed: 11 h 39 min
